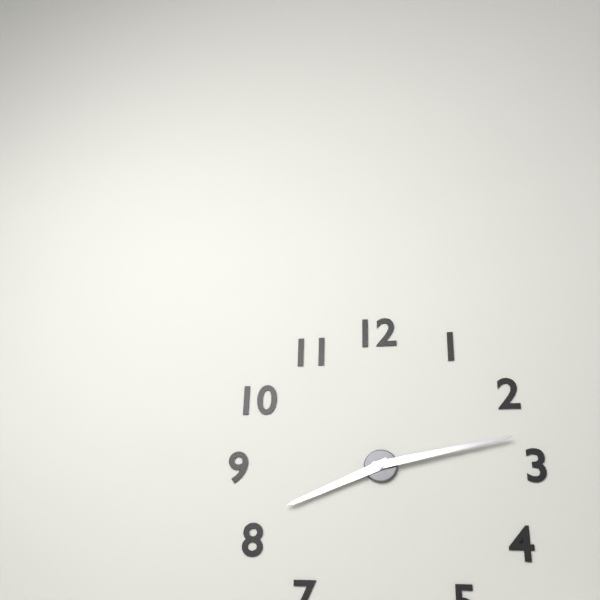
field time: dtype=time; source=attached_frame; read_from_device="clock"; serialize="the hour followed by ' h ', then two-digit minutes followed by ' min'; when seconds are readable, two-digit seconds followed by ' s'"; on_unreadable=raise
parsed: 8 h 13 min
